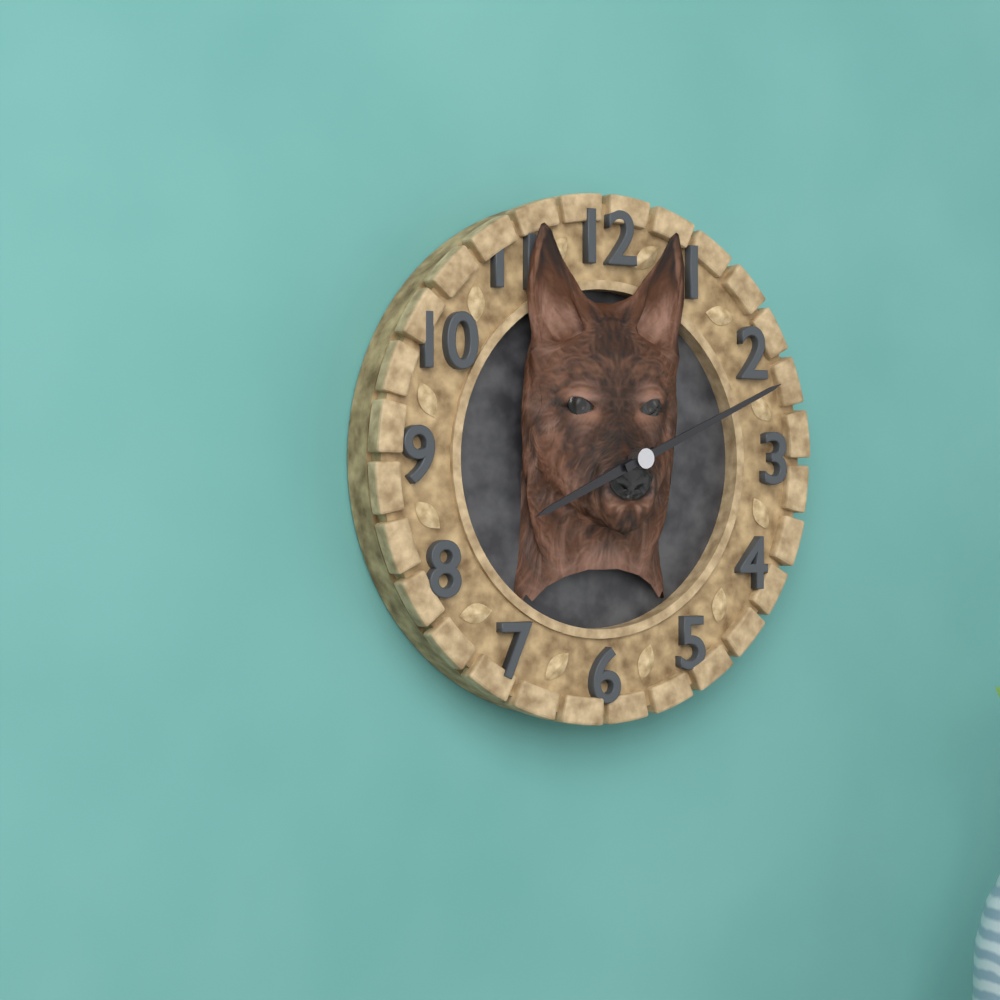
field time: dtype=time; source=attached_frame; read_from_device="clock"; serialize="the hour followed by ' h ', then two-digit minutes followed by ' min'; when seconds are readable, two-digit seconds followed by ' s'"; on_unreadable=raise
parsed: 8 h 11 min
